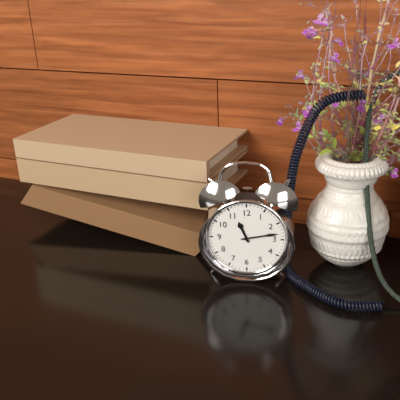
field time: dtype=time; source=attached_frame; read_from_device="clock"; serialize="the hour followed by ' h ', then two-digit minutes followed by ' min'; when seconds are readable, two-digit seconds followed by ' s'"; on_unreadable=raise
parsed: 11 h 13 min
